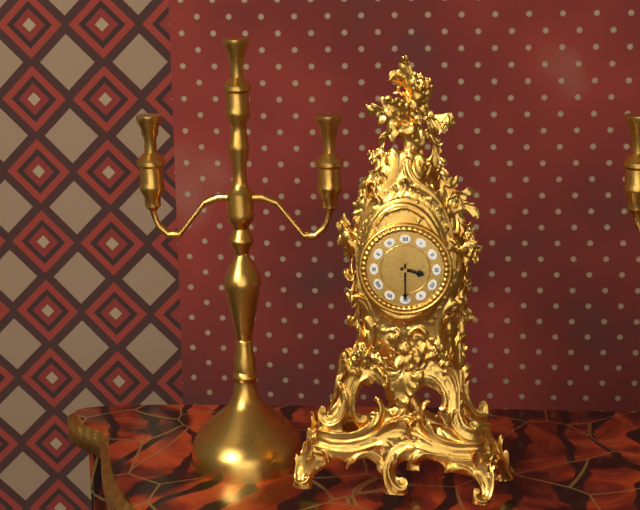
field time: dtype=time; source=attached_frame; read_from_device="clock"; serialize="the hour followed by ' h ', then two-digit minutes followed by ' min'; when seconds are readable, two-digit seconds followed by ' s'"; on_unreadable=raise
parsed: 3 h 30 min
